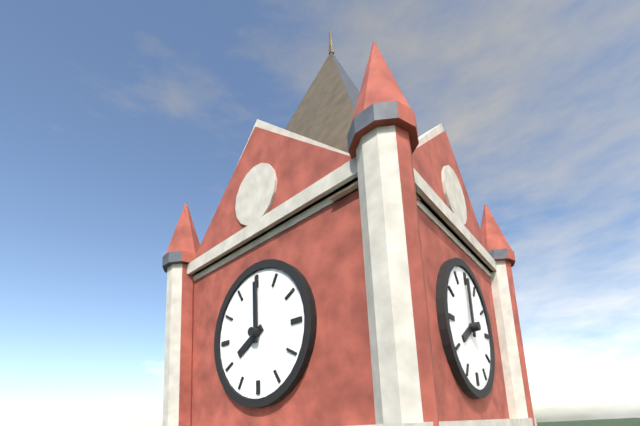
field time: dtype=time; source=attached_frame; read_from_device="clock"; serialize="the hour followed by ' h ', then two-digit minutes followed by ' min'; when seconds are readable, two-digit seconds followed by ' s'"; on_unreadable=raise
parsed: 8 h 00 min
